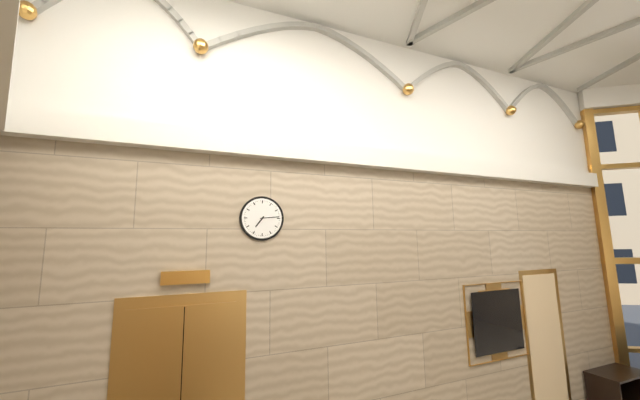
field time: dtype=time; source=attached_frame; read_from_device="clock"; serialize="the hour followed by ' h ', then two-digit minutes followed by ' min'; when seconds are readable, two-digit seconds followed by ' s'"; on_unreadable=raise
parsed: 7 h 14 min
